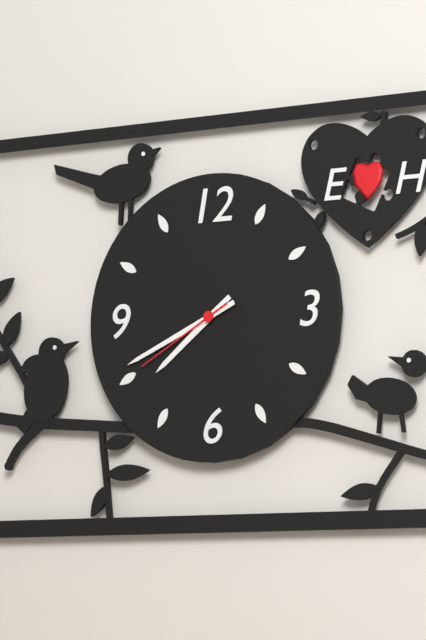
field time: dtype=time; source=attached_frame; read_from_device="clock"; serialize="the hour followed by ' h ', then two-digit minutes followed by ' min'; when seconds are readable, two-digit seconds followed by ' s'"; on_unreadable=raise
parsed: 7 h 41 min 40 s
